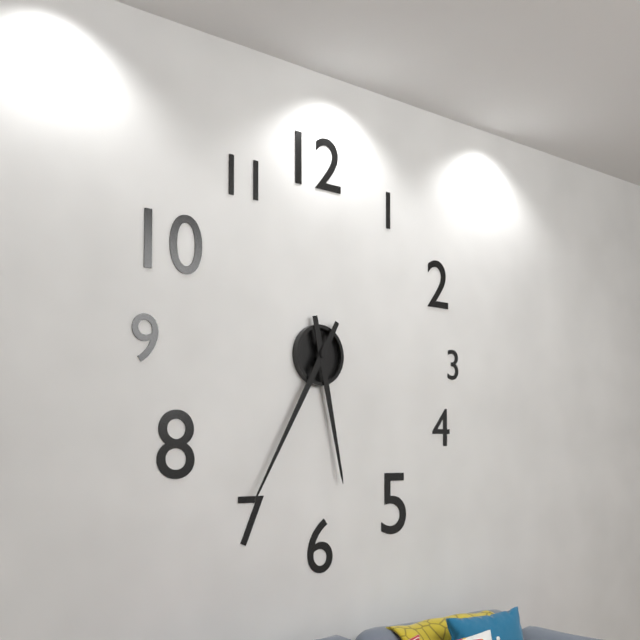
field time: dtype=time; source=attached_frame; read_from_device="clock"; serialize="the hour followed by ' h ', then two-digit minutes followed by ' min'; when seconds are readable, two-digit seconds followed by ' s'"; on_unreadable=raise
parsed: 5 h 35 min
